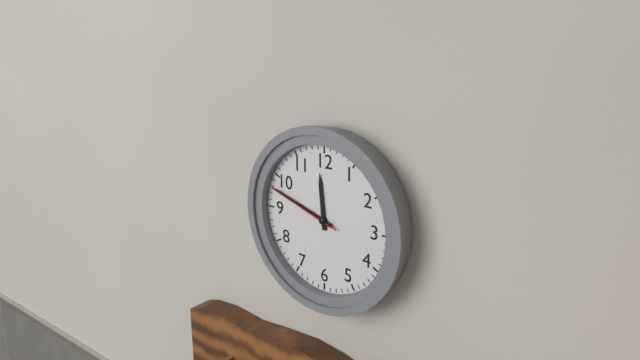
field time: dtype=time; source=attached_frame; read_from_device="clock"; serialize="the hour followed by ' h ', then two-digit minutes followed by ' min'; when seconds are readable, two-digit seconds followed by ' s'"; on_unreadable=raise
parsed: 11 h 48 min 48 s
